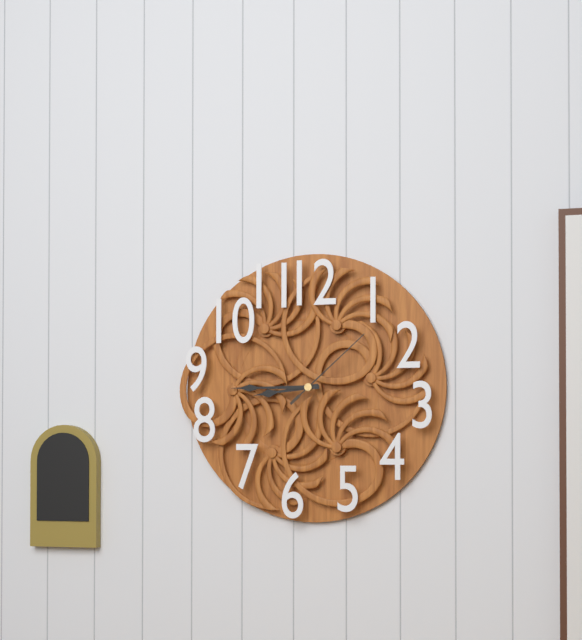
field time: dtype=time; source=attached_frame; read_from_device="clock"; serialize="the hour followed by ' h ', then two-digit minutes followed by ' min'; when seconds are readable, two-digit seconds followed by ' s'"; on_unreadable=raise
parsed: 8 h 45 min 08 s
